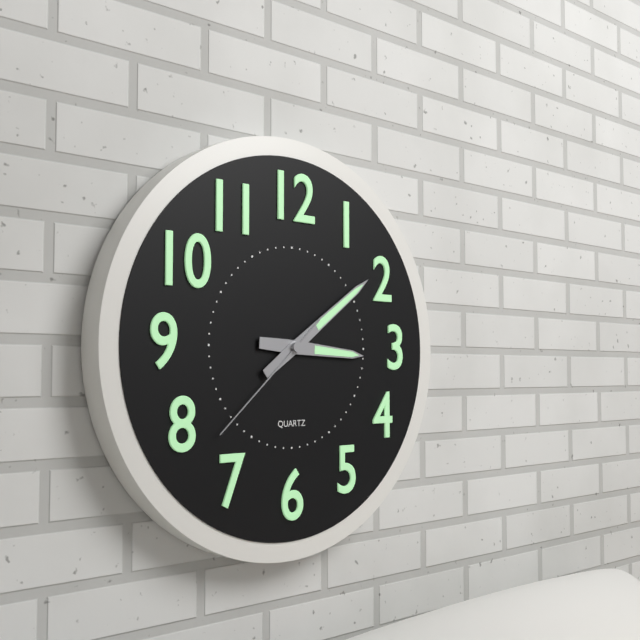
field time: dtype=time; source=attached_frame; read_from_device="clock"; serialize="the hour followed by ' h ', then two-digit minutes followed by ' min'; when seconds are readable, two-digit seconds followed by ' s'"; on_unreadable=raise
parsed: 3 h 09 min 38 s
